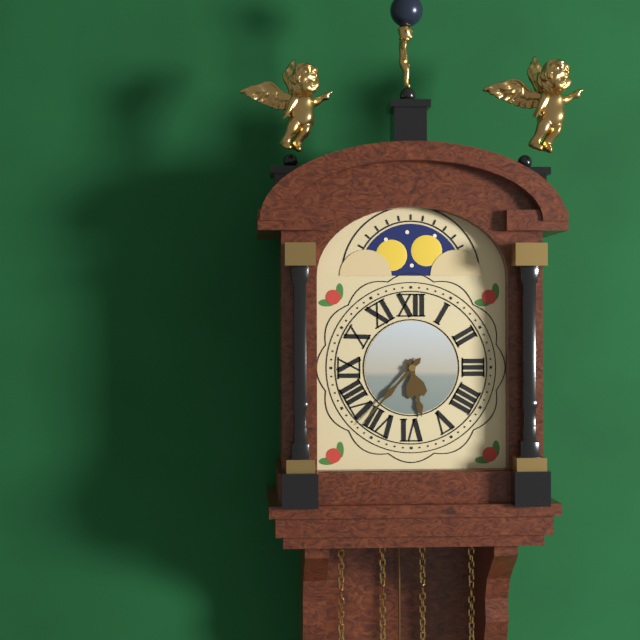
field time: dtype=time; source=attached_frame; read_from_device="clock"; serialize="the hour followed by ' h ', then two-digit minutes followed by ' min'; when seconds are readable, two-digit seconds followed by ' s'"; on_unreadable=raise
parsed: 5 h 37 min
